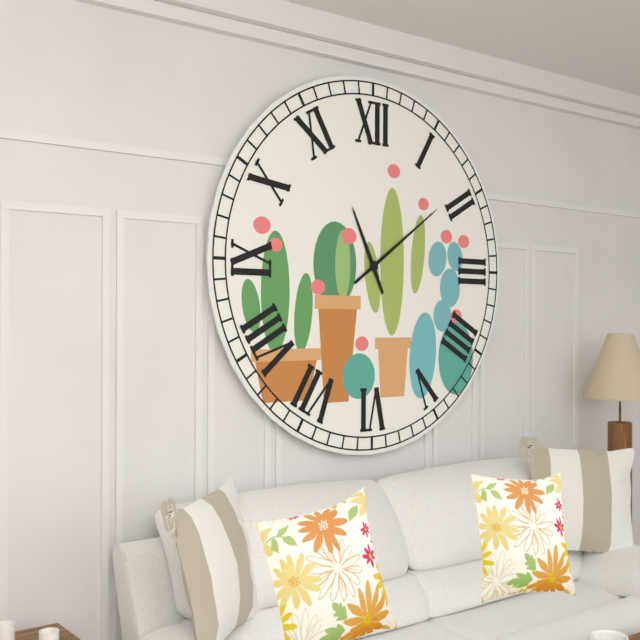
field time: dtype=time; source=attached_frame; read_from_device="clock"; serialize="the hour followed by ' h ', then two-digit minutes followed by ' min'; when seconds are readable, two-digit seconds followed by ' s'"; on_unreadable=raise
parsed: 11 h 09 min
